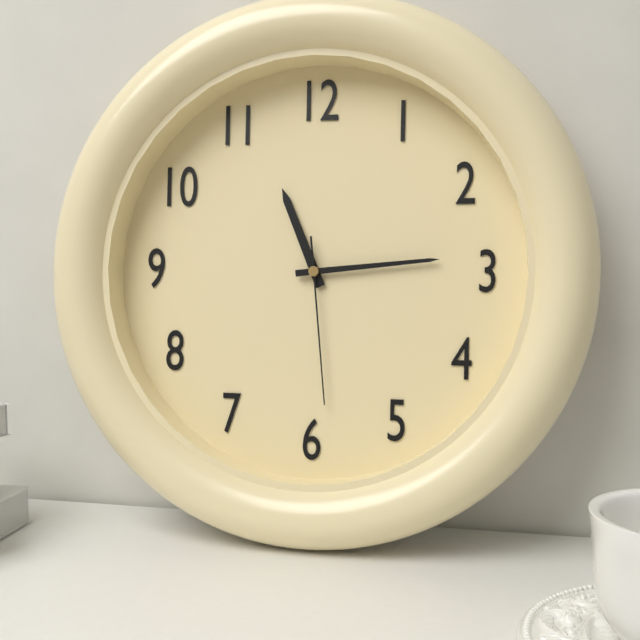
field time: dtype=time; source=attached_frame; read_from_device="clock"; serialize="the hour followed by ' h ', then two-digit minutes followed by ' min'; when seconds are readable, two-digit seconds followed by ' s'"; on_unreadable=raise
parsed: 11 h 14 min 29 s
